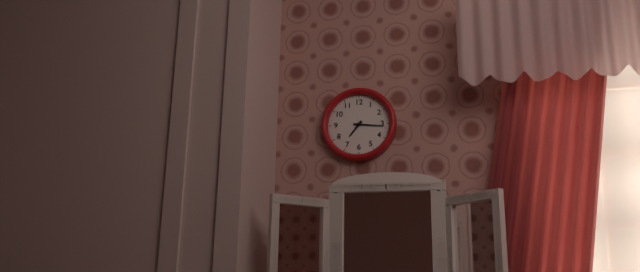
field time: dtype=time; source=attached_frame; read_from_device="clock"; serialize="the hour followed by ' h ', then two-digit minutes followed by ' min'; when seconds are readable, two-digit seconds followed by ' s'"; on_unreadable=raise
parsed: 7 h 16 min
